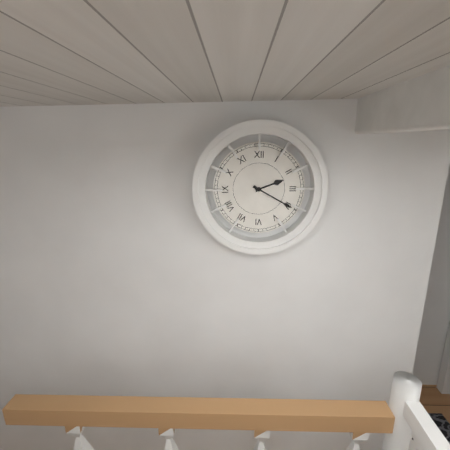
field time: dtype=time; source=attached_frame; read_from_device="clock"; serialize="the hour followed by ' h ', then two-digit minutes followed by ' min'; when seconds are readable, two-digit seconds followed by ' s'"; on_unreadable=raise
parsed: 2 h 20 min
